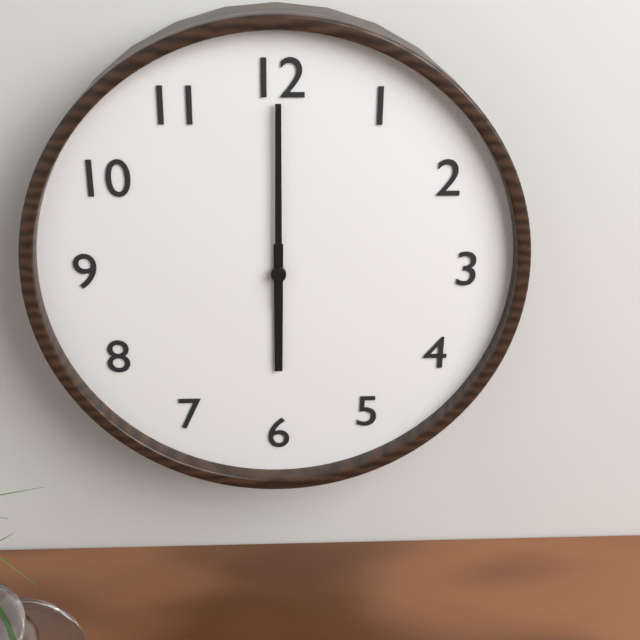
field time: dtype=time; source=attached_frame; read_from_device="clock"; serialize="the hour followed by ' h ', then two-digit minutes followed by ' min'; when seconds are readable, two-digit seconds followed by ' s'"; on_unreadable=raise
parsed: 6 h 00 min
